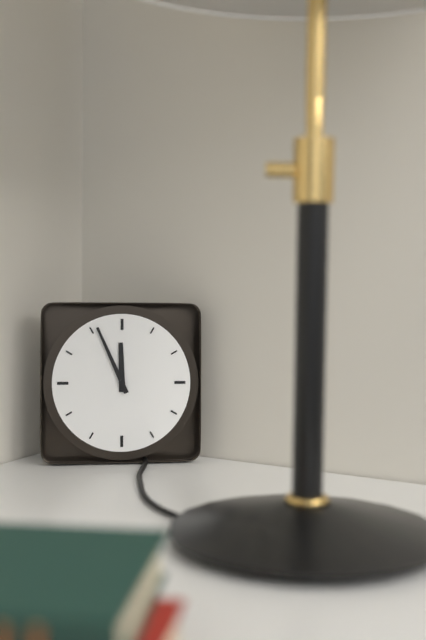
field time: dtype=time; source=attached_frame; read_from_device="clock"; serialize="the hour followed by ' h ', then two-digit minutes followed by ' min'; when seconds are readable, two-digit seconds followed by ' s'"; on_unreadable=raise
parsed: 11 h 56 min
